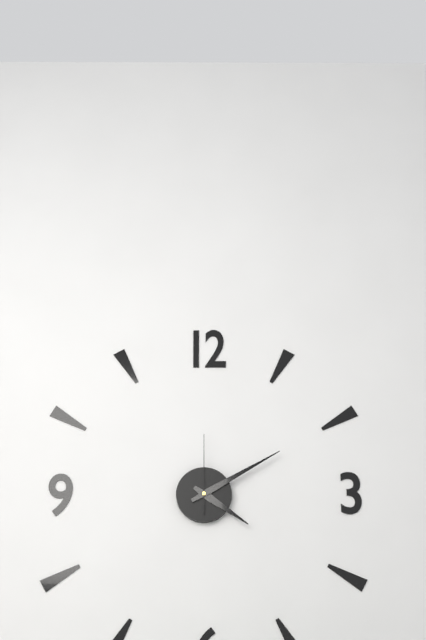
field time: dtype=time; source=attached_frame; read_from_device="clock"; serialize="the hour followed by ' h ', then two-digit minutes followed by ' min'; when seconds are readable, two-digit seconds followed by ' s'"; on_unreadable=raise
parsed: 4 h 10 min 00 s
